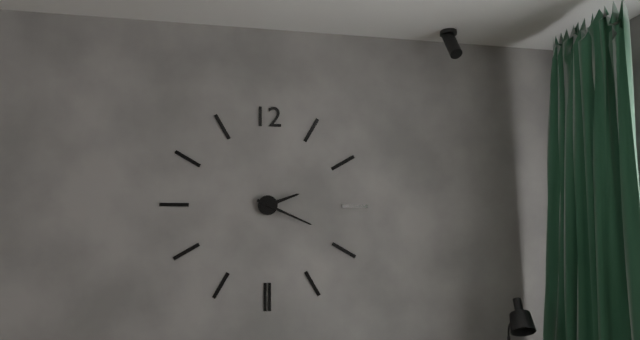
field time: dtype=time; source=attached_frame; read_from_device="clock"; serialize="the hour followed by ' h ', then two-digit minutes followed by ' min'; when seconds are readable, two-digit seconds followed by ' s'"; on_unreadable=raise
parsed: 2 h 19 min
